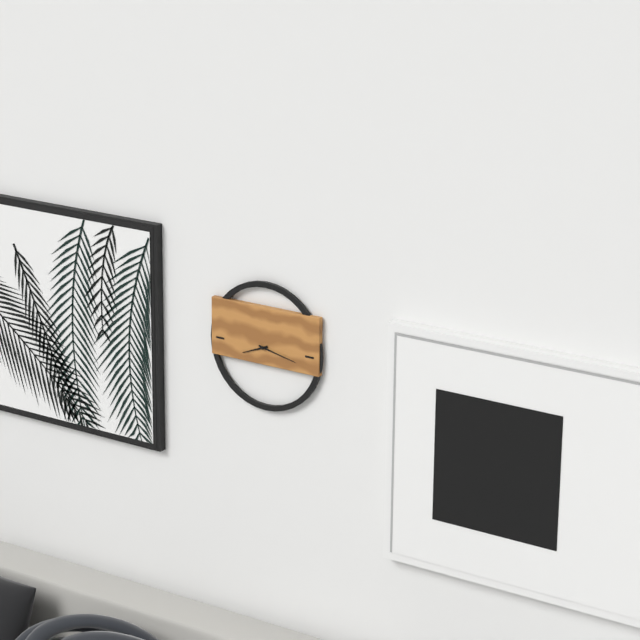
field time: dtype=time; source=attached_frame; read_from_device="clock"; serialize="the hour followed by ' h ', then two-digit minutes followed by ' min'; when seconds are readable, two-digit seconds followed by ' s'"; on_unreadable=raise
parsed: 8 h 17 min
